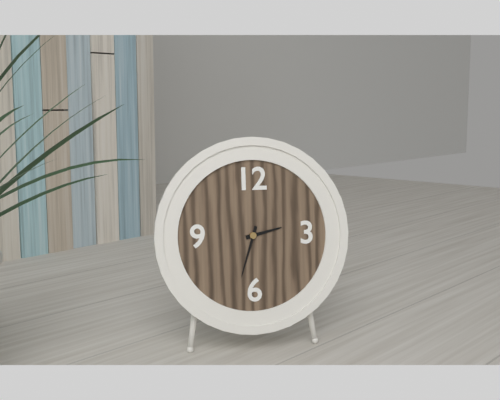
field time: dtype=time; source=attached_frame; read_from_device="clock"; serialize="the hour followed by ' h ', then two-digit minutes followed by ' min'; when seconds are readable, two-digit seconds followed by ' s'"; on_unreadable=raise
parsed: 2 h 33 min
